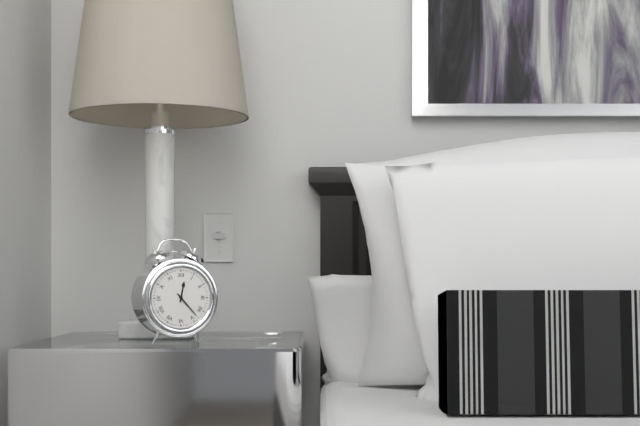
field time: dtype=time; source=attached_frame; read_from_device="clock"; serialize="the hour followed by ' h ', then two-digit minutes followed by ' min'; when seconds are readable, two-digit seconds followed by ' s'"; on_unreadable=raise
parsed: 12 h 23 min
